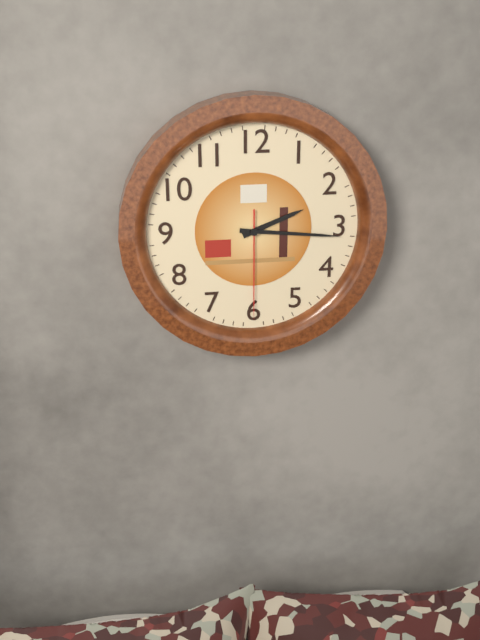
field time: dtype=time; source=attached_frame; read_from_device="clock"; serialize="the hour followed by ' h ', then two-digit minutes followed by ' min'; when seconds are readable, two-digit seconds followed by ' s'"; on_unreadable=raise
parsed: 2 h 16 min 30 s
